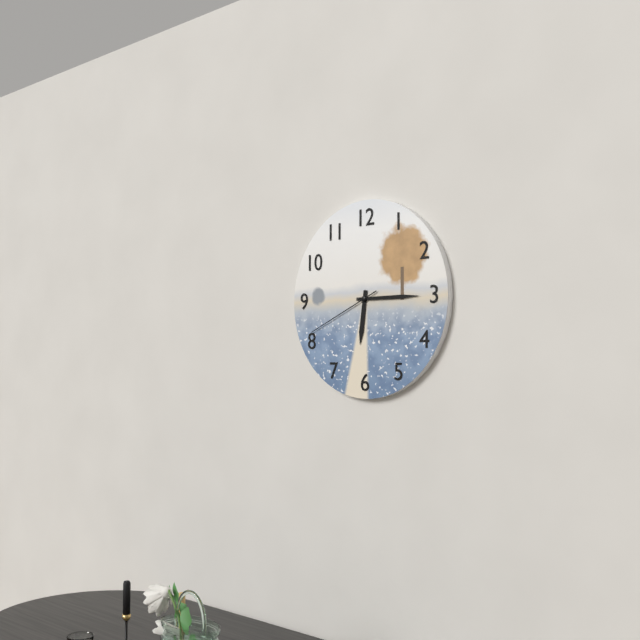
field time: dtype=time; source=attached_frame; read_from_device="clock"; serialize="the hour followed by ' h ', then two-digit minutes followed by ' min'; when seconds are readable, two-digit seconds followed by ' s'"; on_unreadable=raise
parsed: 6 h 15 min 41 s
